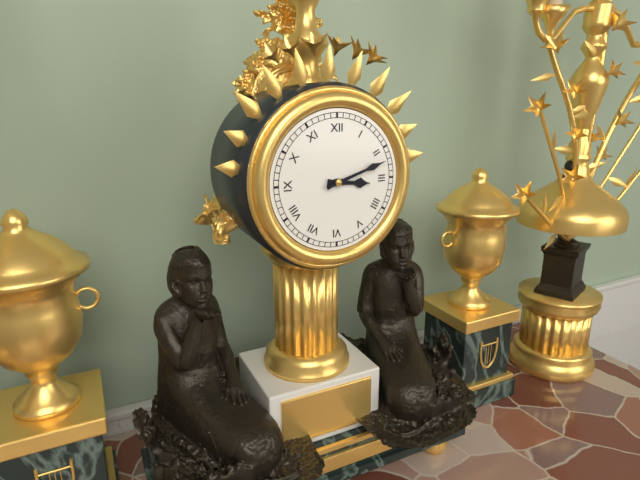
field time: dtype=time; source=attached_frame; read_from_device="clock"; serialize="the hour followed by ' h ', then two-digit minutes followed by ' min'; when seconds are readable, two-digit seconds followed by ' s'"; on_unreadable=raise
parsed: 3 h 12 min
